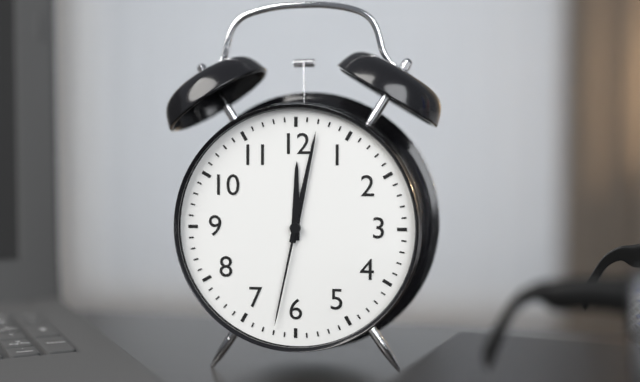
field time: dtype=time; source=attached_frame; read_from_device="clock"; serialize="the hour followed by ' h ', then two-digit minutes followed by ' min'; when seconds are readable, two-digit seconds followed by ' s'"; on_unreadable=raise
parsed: 12 h 02 min 32 s
